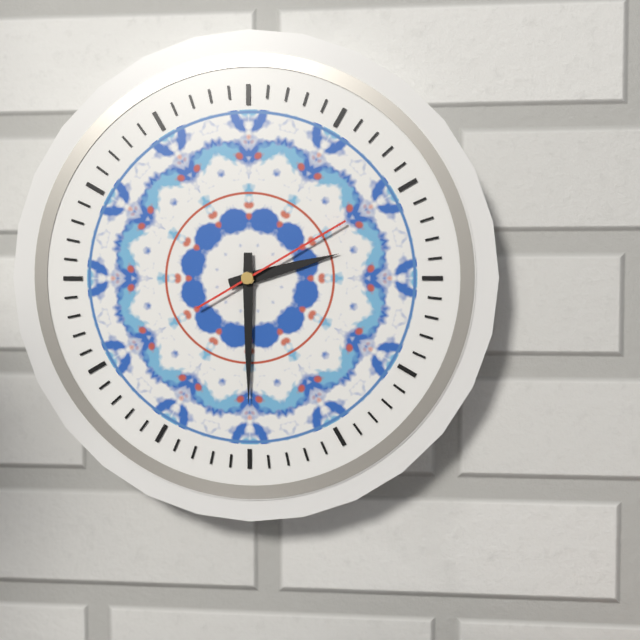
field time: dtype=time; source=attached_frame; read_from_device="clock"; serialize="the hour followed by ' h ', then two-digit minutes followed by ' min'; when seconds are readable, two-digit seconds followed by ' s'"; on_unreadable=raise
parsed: 2 h 30 min 10 s
